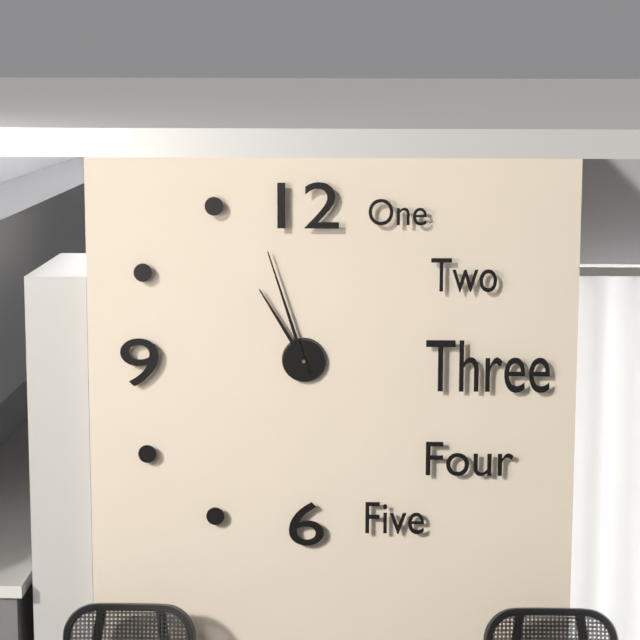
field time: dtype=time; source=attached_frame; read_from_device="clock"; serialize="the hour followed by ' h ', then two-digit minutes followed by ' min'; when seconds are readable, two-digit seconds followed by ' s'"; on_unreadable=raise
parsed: 10 h 57 min
